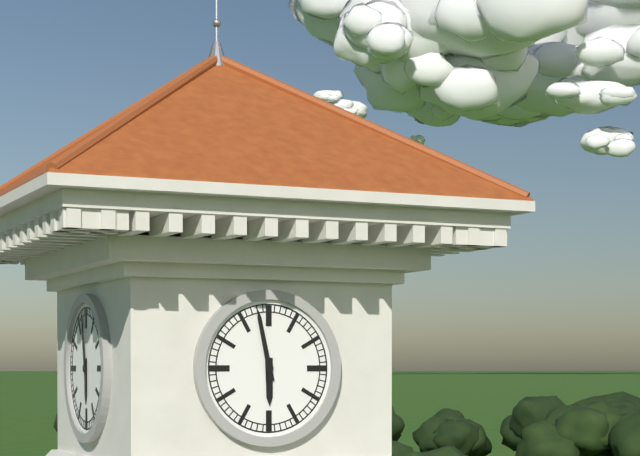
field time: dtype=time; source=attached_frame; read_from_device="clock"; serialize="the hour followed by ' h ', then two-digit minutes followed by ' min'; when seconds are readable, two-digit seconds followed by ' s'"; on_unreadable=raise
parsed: 5 h 58 min
